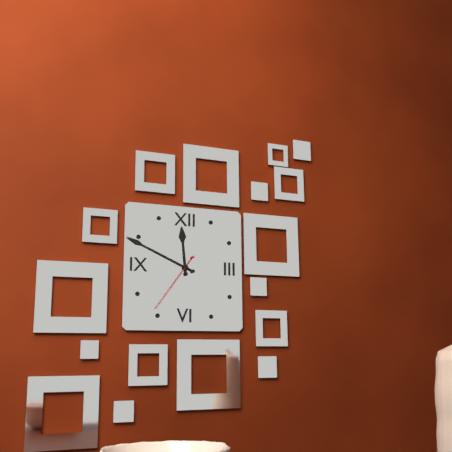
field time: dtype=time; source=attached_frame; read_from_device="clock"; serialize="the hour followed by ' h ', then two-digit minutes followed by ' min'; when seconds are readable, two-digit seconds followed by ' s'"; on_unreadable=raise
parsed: 11 h 49 min 36 s
